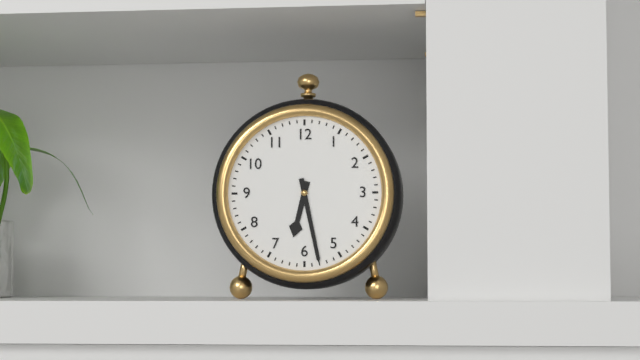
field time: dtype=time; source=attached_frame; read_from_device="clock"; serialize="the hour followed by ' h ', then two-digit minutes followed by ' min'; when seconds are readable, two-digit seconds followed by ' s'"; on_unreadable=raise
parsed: 6 h 28 min
